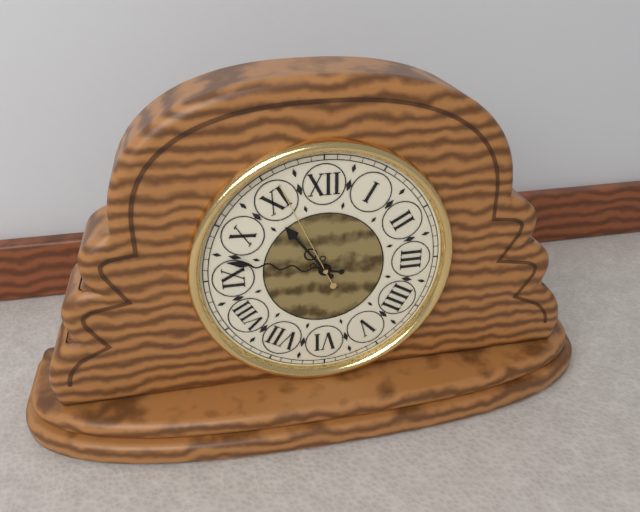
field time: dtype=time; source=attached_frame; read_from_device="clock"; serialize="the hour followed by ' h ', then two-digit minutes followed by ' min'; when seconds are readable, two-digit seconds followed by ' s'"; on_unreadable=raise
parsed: 10 h 47 min 56 s
